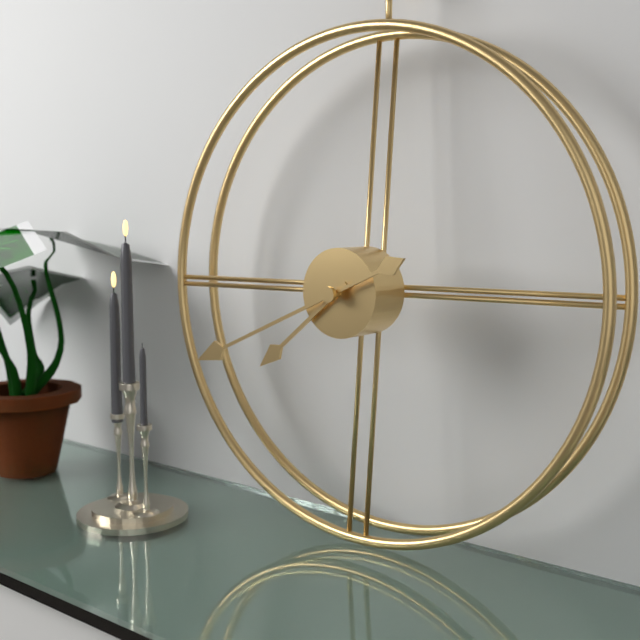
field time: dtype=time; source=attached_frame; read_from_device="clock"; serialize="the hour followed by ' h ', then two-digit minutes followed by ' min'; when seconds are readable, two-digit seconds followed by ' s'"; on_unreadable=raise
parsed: 7 h 41 min
